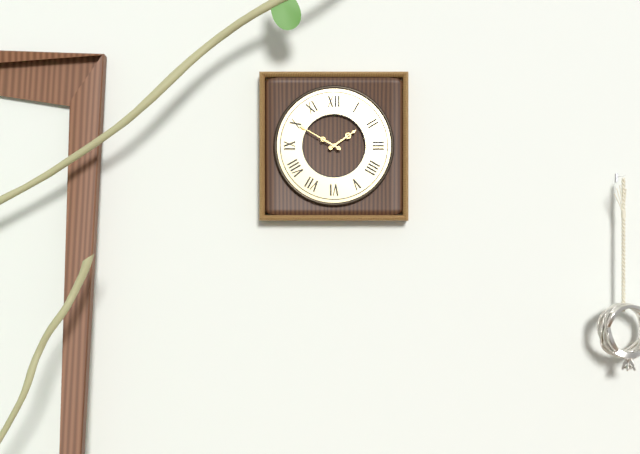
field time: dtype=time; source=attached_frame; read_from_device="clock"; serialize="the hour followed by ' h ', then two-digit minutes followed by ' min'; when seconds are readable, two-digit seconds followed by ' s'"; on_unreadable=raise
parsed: 1 h 50 min
